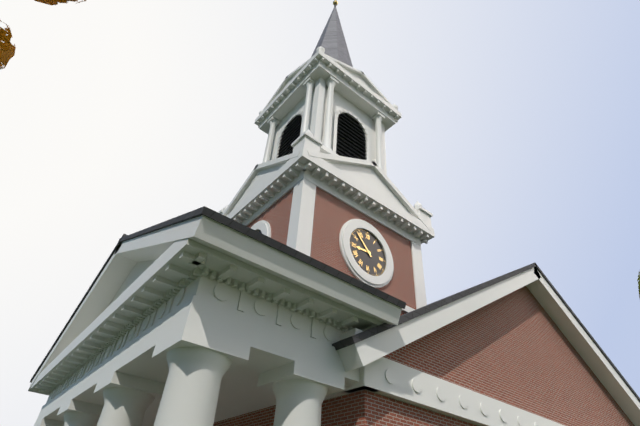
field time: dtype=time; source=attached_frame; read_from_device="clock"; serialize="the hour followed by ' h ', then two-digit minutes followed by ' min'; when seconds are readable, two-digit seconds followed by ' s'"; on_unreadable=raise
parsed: 8 h 53 min
